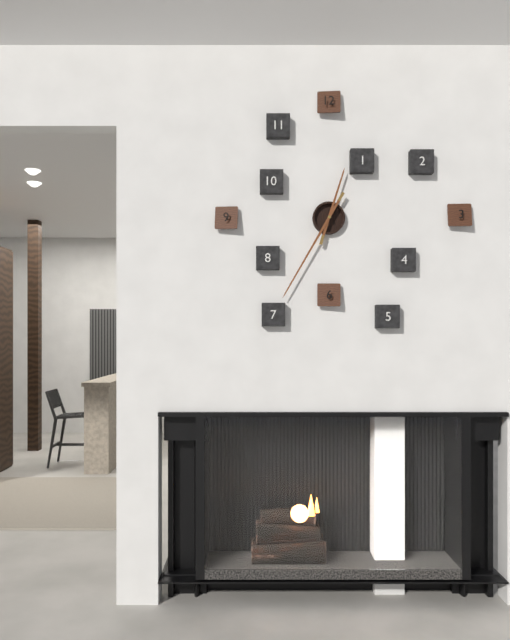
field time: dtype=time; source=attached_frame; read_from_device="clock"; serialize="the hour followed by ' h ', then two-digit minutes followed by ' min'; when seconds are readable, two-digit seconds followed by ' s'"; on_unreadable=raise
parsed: 12 h 35 min
